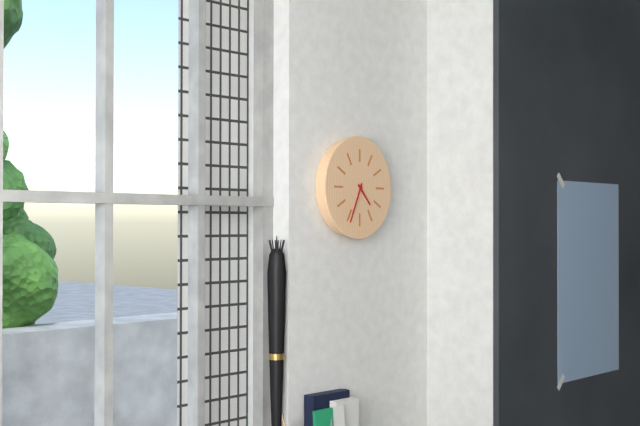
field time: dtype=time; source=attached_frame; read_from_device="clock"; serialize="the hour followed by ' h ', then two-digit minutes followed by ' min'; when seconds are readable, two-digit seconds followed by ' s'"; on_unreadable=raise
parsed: 4 h 34 min
